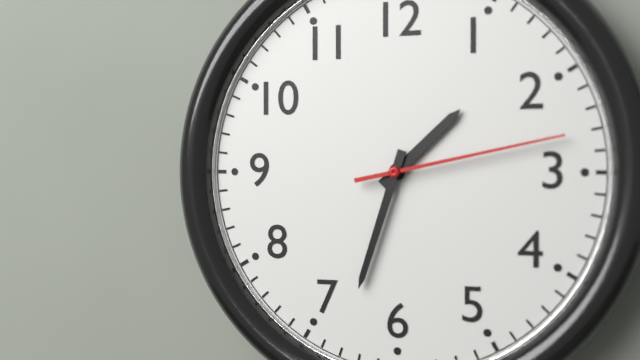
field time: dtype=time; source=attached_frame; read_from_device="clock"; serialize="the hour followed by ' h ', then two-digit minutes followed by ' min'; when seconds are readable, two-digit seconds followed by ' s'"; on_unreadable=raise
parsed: 1 h 33 min 13 s
